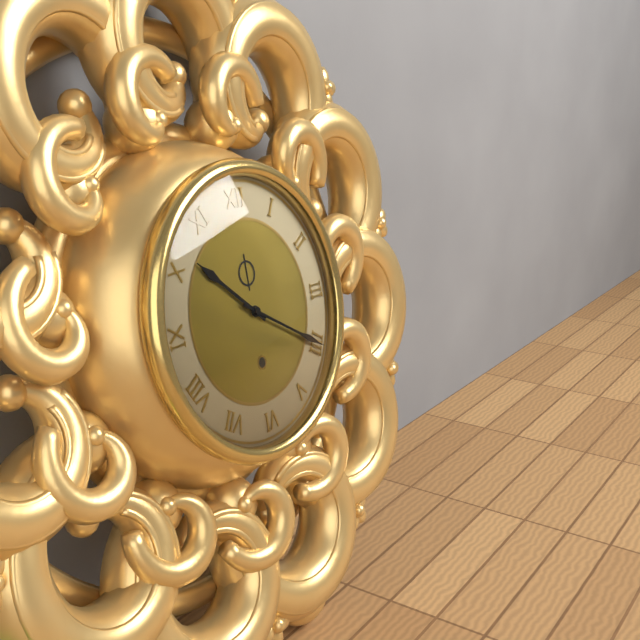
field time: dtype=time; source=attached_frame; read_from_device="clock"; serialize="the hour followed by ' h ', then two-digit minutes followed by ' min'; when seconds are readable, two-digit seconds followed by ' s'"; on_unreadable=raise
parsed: 10 h 20 min
